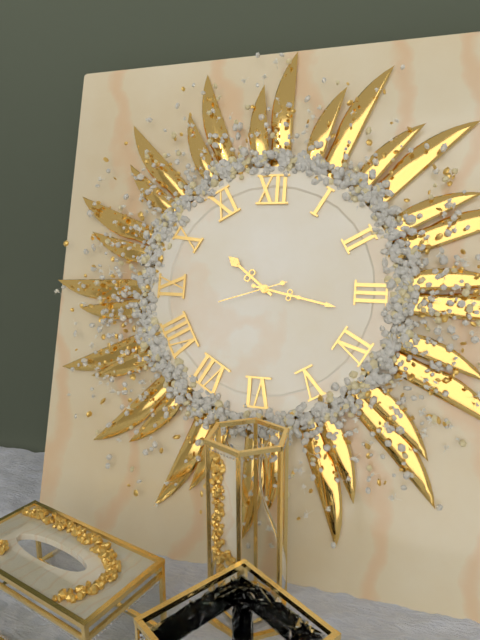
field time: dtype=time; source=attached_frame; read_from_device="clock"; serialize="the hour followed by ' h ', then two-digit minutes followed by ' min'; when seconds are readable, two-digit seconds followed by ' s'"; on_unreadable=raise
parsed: 10 h 17 min 42 s
